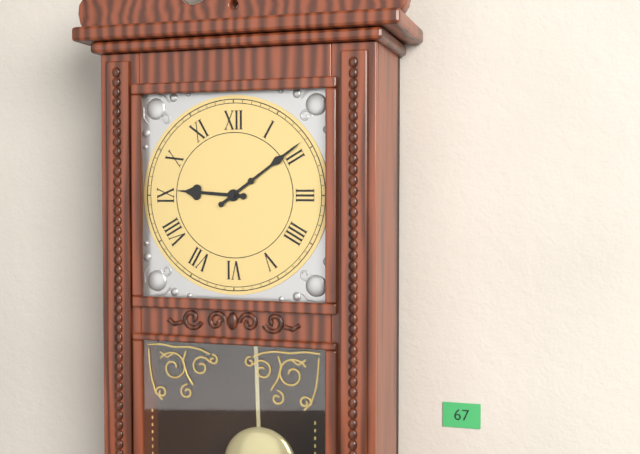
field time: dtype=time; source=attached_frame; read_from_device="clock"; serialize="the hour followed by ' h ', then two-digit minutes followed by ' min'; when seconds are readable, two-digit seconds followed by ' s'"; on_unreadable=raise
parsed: 9 h 09 min
